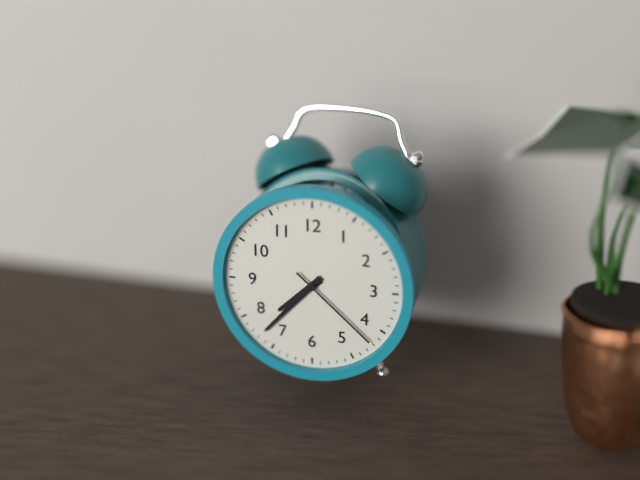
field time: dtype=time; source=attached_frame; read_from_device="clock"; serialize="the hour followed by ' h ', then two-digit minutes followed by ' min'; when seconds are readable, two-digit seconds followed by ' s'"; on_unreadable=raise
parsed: 7 h 37 min 22 s
